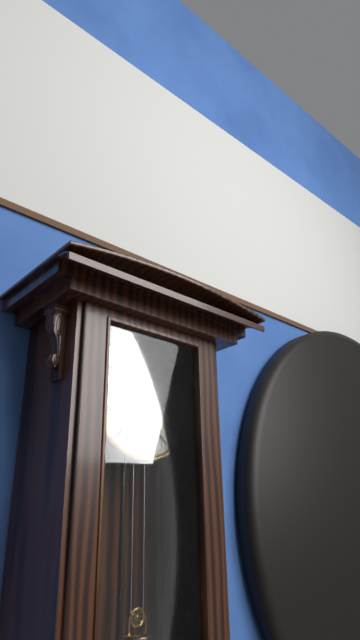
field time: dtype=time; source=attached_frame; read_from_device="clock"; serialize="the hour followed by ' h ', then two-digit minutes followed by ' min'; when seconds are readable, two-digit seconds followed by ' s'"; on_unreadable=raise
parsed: 11 h 13 min
